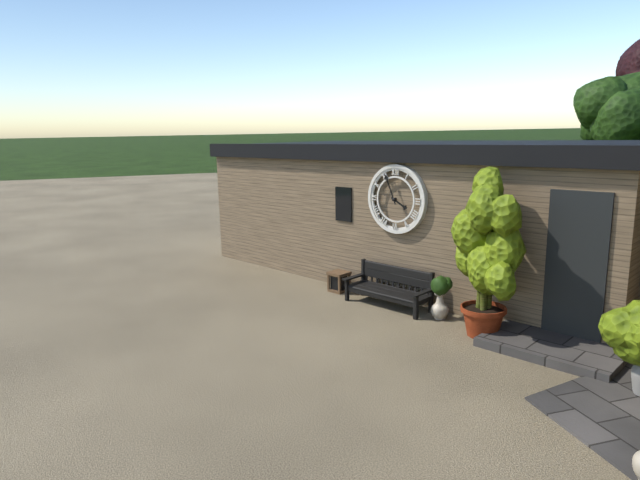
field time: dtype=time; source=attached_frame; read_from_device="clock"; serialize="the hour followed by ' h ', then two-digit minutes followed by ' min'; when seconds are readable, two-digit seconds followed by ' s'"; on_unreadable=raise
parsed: 3 h 56 min
